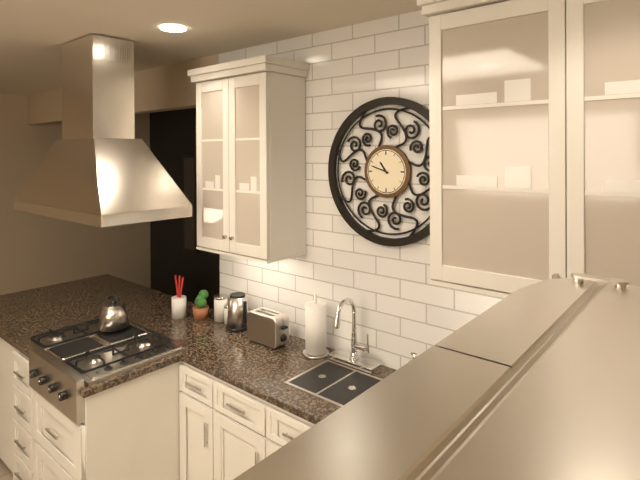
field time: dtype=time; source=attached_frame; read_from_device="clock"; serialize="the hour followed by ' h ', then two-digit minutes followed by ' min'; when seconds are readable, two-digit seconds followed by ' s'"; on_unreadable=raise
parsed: 10 h 48 min
